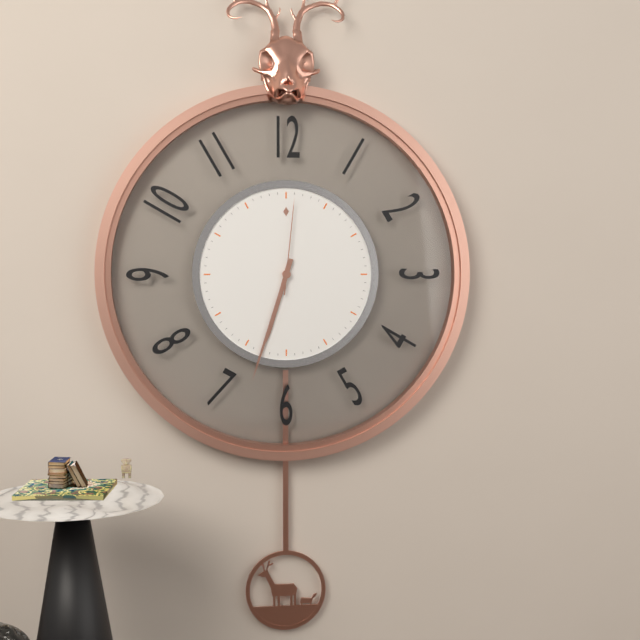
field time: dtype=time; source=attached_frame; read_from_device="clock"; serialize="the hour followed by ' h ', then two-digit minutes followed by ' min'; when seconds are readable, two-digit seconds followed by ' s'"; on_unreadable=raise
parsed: 6 h 33 min 01 s
